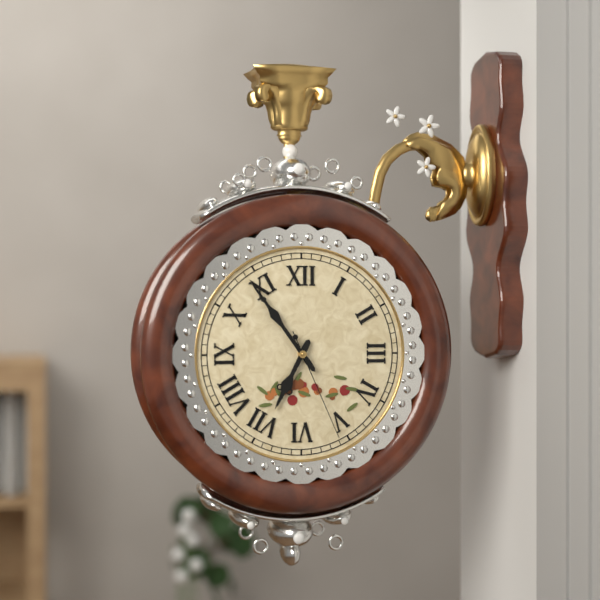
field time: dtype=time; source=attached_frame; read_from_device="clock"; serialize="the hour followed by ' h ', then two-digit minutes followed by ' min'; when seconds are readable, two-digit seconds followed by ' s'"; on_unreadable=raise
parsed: 6 h 54 min 26 s
